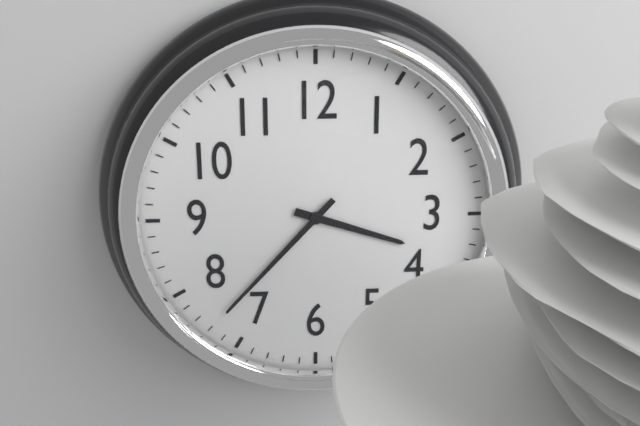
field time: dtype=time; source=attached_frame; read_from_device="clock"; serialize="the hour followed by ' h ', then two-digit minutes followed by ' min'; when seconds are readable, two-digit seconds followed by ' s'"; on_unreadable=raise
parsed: 3 h 37 min
